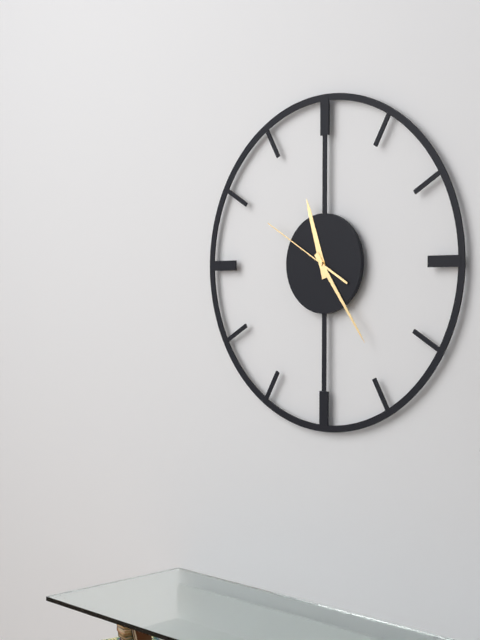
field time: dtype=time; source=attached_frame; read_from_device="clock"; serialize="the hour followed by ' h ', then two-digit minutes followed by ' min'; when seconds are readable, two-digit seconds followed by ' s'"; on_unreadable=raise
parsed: 11 h 24 min 50 s
